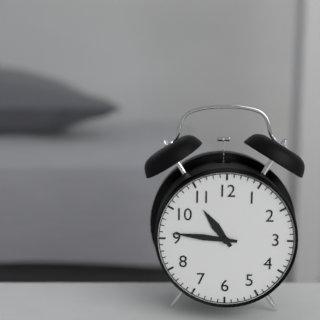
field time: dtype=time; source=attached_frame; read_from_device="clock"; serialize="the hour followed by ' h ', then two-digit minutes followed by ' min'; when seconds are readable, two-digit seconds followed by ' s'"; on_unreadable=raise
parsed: 10 h 46 min
